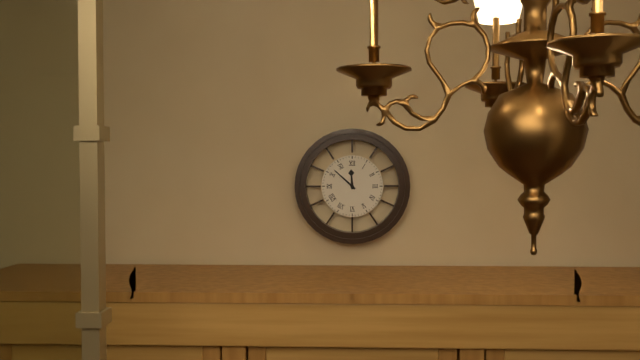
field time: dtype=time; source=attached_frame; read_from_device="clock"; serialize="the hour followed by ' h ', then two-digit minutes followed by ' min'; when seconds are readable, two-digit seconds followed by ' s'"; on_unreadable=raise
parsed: 11 h 52 min
